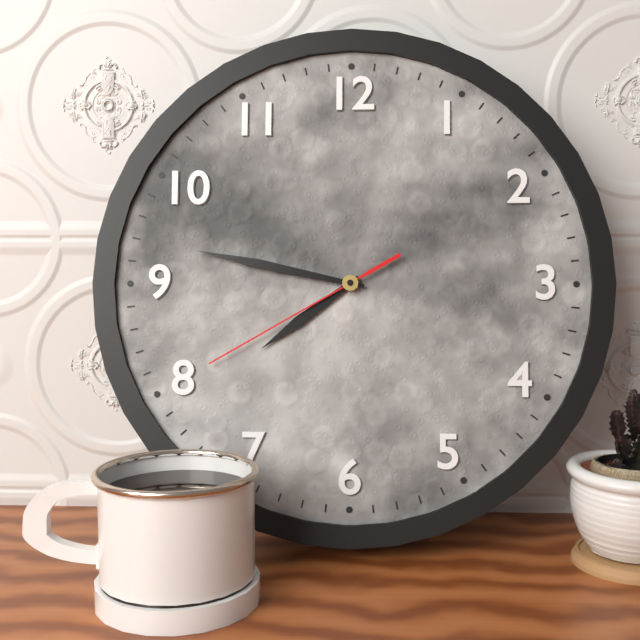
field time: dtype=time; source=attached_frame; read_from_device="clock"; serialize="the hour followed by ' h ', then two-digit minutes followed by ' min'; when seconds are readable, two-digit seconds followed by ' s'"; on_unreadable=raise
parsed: 7 h 47 min 40 s
